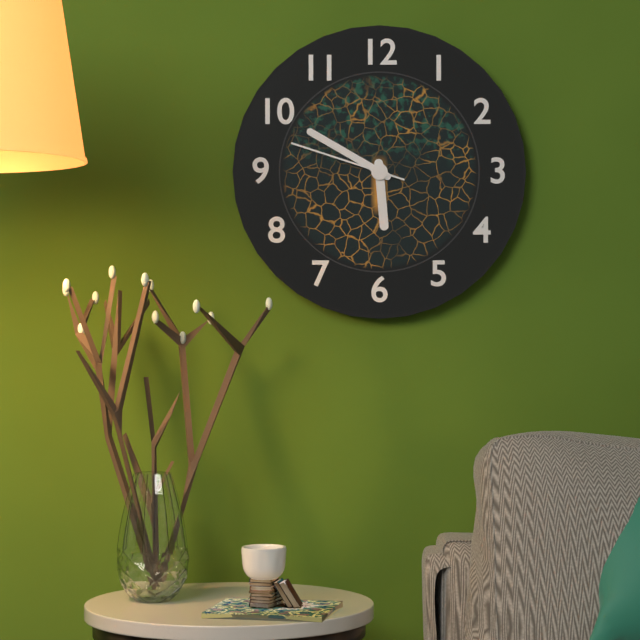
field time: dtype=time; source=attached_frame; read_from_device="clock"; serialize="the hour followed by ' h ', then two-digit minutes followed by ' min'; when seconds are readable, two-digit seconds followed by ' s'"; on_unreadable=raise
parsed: 5 h 50 min 48 s
